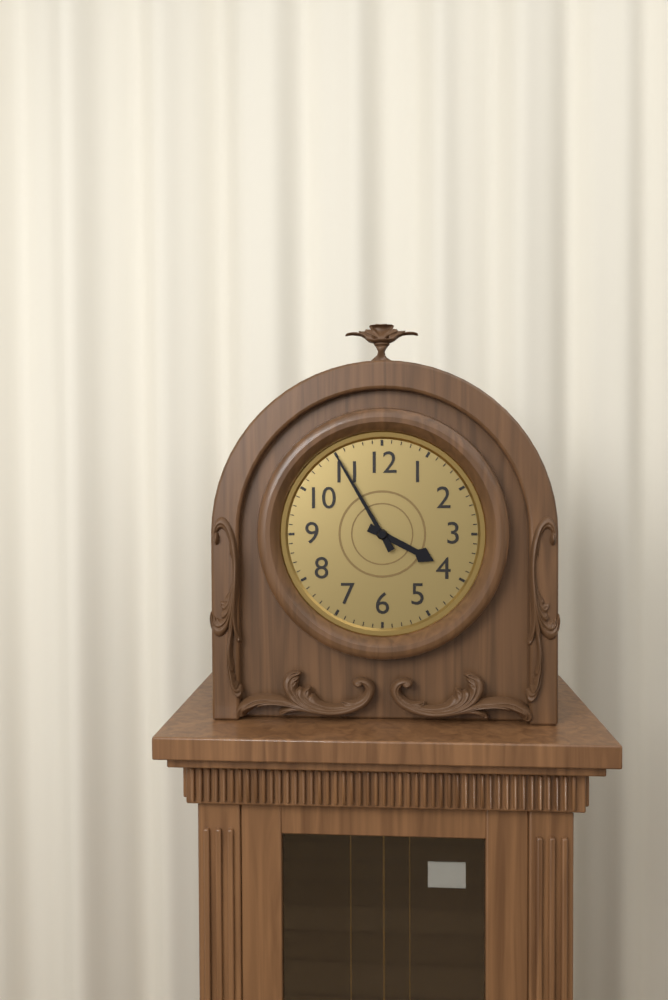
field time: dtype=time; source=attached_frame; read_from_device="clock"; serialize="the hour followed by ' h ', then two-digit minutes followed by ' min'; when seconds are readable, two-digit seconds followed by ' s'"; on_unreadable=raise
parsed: 3 h 55 min
